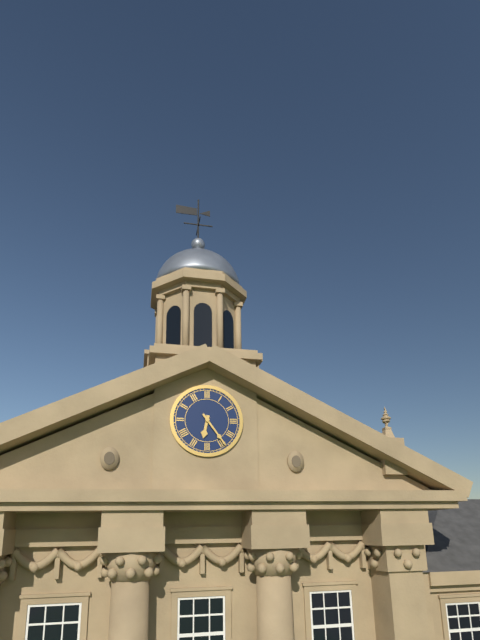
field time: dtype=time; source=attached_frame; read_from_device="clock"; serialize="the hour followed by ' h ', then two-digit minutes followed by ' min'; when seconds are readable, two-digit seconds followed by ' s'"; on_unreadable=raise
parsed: 6 h 24 min
